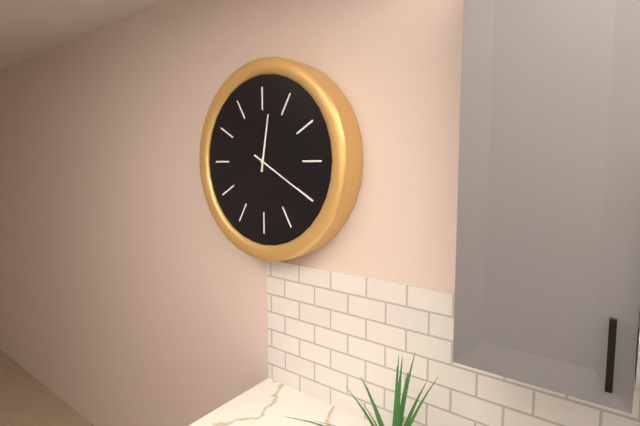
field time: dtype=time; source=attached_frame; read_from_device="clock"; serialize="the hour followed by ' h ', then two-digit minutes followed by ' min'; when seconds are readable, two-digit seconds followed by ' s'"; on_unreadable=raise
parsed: 12 h 20 min
